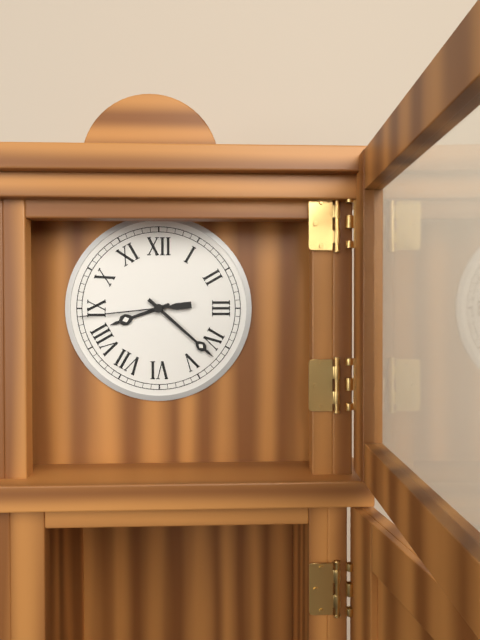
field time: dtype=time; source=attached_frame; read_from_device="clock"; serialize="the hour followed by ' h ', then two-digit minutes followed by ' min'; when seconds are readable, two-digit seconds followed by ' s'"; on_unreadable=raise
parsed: 8 h 22 min 44 s
